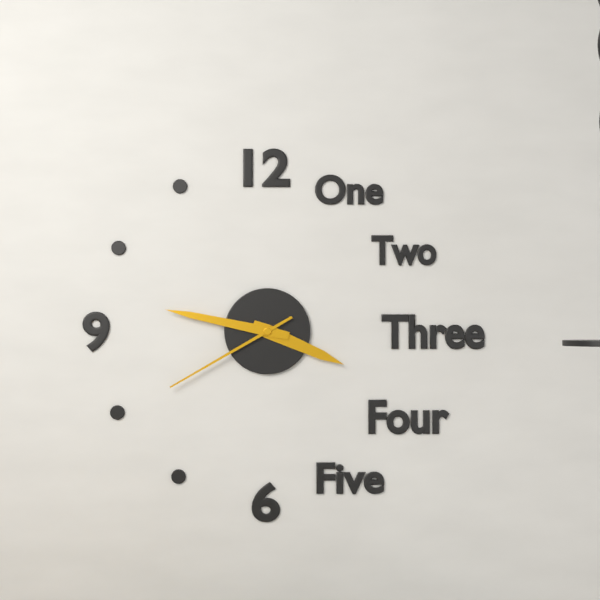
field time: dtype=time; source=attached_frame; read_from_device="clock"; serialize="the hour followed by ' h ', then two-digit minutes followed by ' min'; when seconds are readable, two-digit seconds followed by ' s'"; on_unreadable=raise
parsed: 3 h 47 min 40 s
